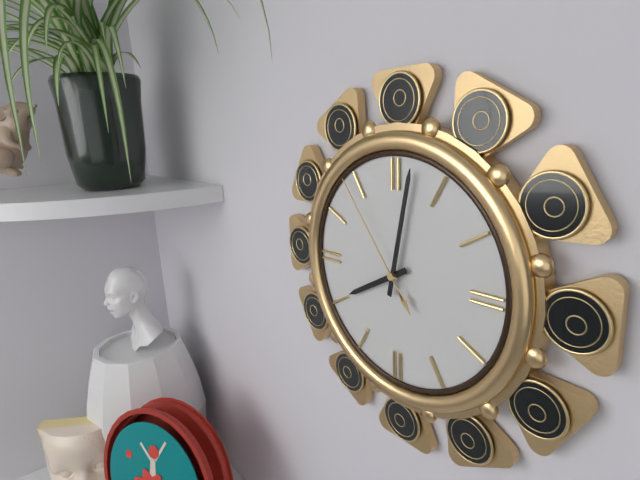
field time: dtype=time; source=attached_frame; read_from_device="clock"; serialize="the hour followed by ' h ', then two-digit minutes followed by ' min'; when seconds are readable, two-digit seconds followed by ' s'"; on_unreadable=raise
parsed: 8 h 02 min 54 s
